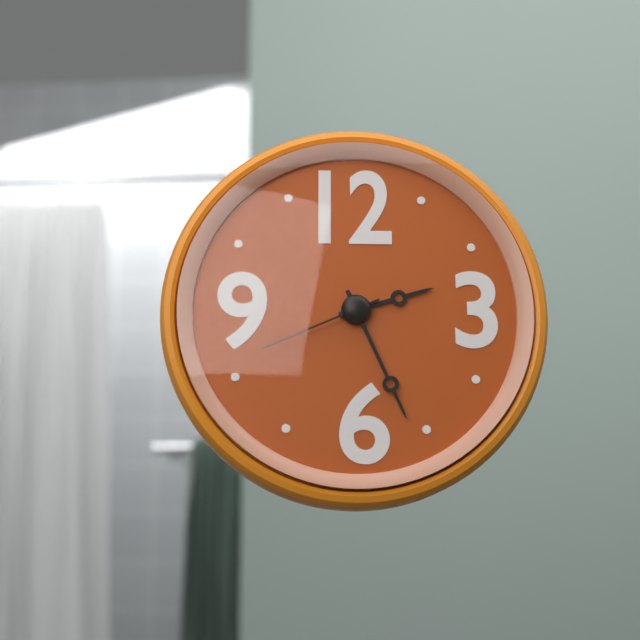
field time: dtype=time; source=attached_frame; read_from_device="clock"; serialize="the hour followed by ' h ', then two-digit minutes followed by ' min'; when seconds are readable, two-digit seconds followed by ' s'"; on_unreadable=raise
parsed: 2 h 26 min 41 s
